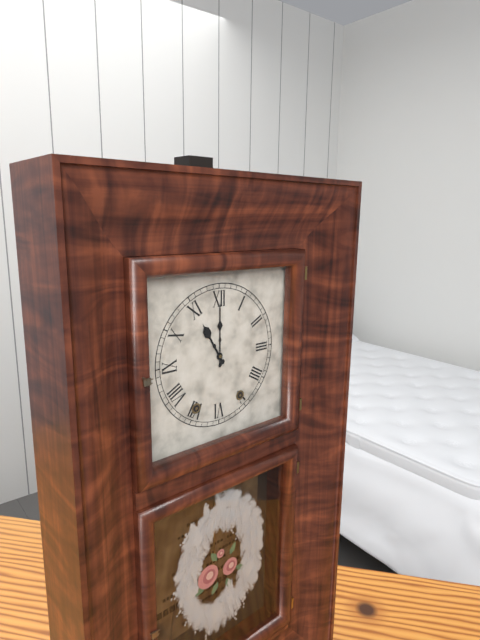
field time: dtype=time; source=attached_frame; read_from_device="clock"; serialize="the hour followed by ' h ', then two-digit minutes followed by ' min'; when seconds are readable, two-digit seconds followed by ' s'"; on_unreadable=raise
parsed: 11 h 00 min
